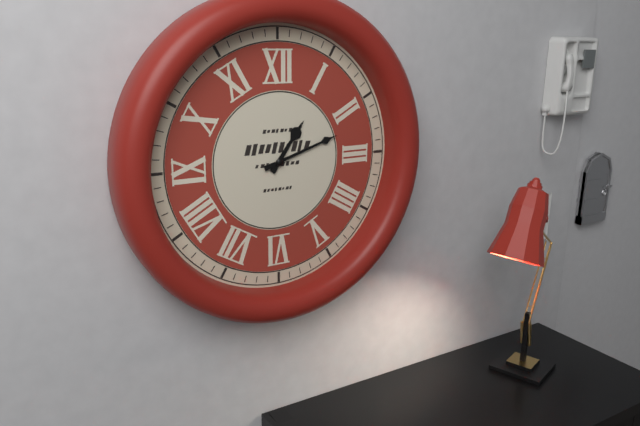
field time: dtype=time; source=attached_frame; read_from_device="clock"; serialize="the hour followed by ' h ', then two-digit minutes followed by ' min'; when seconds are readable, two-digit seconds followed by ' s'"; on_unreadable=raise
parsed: 1 h 12 min
